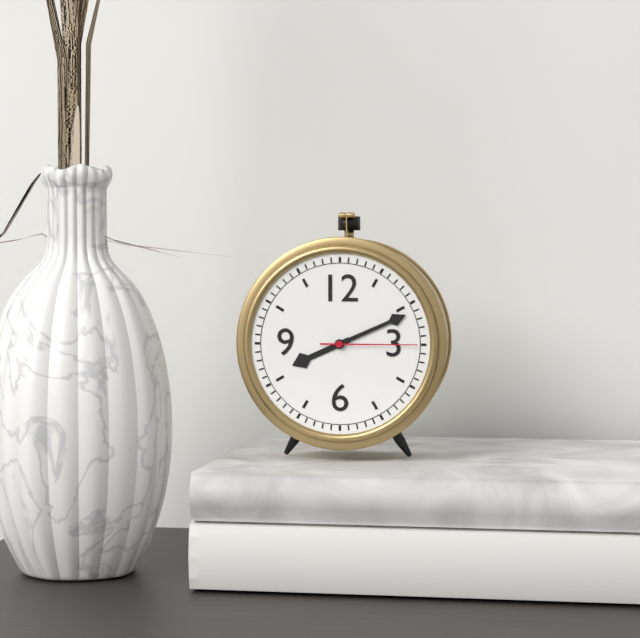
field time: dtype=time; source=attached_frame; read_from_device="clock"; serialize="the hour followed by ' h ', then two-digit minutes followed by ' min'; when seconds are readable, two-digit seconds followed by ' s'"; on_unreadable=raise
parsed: 8 h 11 min 15 s
